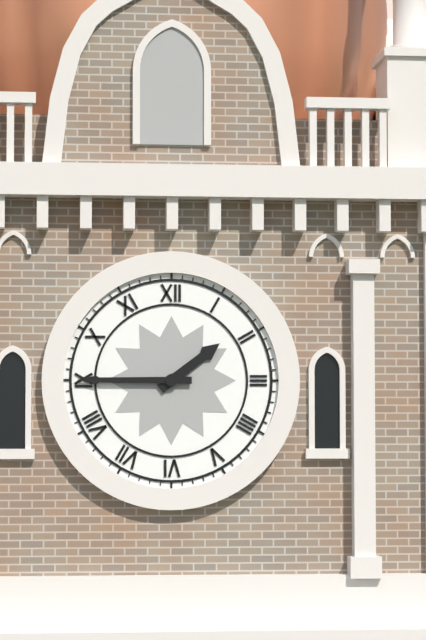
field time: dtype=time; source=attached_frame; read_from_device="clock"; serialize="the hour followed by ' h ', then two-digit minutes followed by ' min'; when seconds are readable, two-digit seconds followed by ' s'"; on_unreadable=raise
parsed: 1 h 45 min
